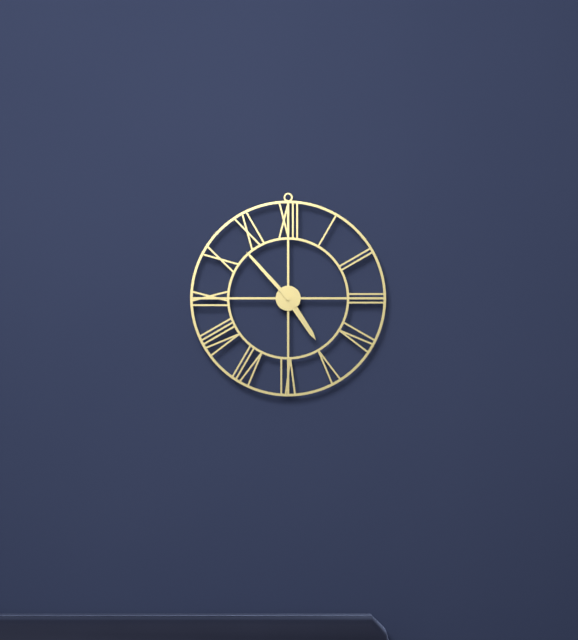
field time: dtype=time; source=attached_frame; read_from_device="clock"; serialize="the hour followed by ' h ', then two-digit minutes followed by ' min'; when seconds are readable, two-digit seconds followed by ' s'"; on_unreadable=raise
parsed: 4 h 53 min
